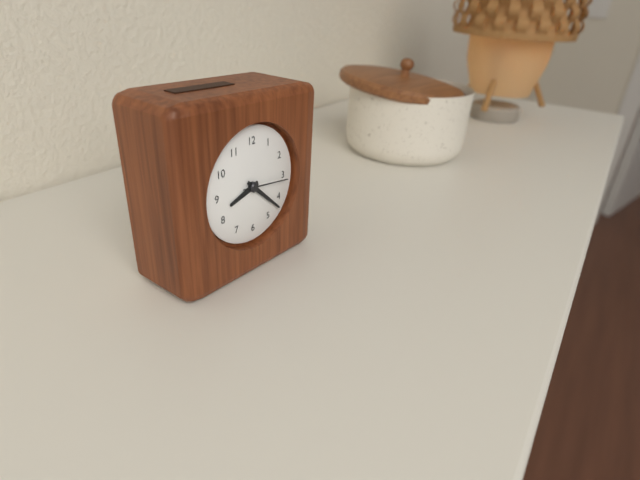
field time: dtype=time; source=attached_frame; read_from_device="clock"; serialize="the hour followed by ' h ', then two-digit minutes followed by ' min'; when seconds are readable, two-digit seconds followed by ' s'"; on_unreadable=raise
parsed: 8 h 22 min
